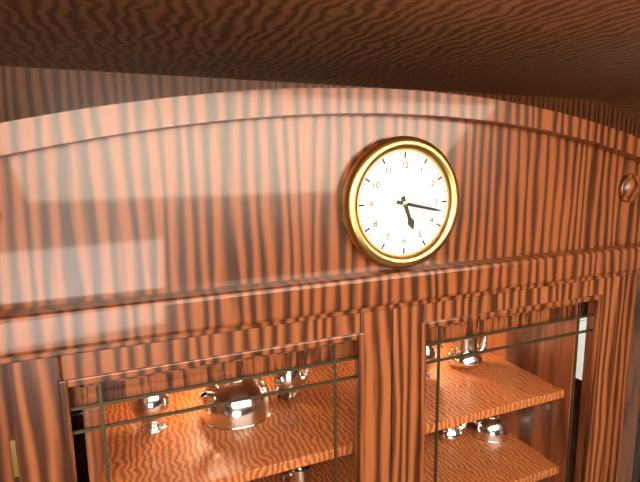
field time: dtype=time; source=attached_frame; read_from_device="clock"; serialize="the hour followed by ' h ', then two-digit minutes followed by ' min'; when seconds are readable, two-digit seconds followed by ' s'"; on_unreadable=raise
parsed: 5 h 17 min
